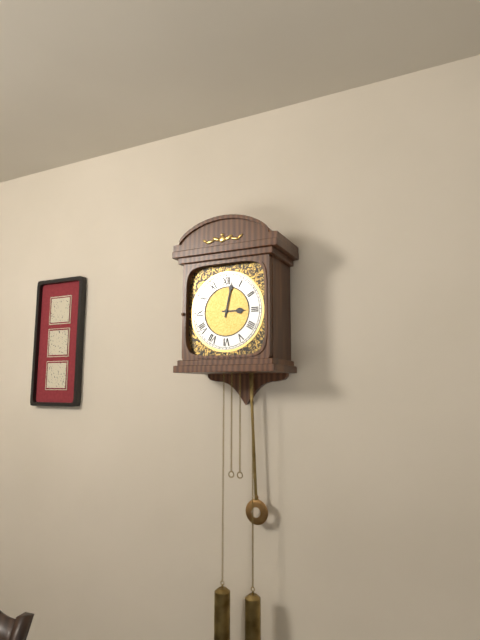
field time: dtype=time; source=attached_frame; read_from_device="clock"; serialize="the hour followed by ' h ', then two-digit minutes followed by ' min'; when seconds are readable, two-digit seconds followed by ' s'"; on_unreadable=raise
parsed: 3 h 02 min
